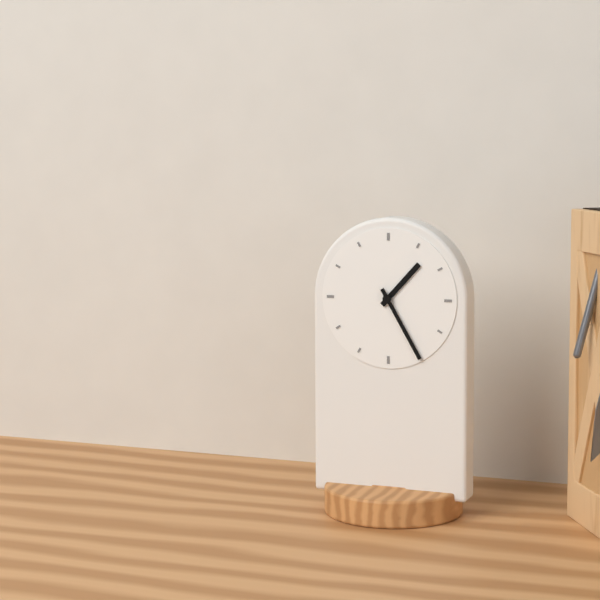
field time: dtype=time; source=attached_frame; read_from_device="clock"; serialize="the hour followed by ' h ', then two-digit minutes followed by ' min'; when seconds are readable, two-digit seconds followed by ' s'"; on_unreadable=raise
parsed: 1 h 25 min
